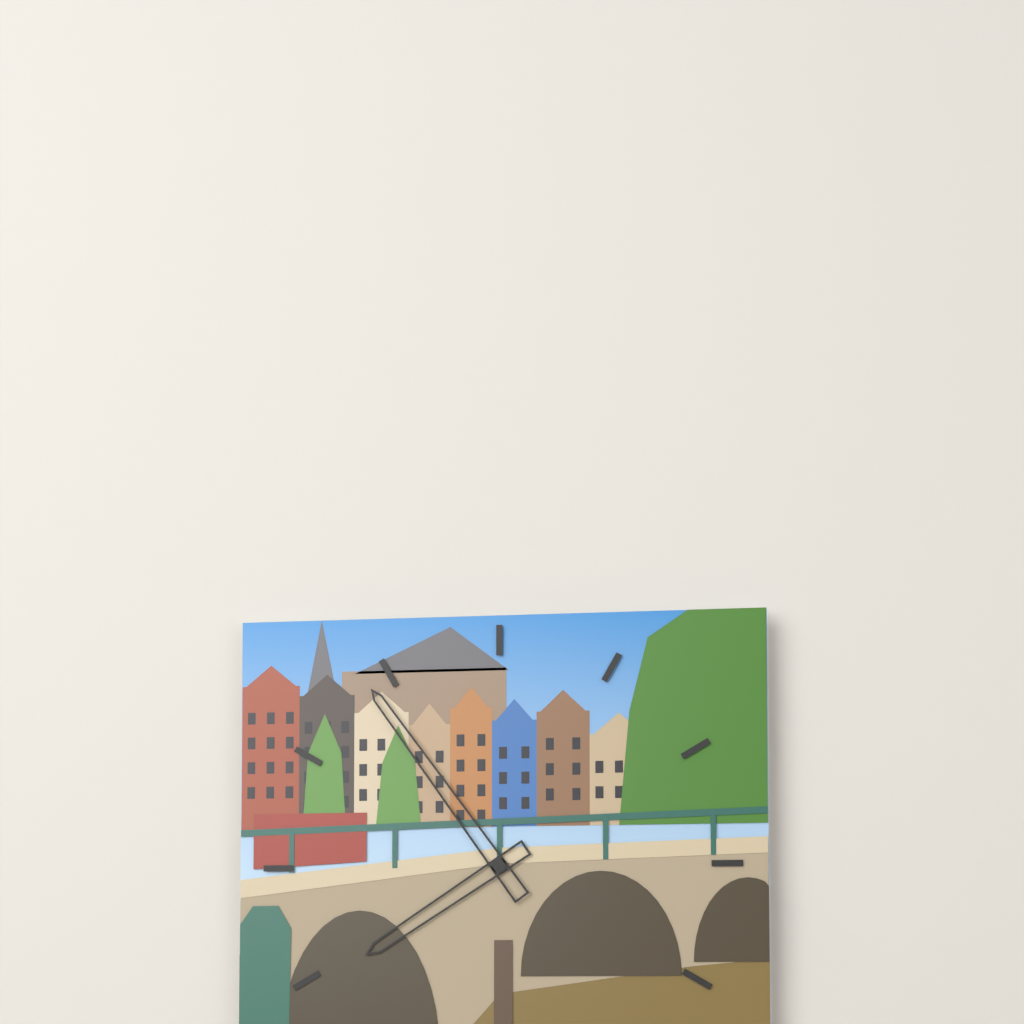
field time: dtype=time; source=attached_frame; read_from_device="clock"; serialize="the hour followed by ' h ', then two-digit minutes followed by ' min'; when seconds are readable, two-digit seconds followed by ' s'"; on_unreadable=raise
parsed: 7 h 54 min
